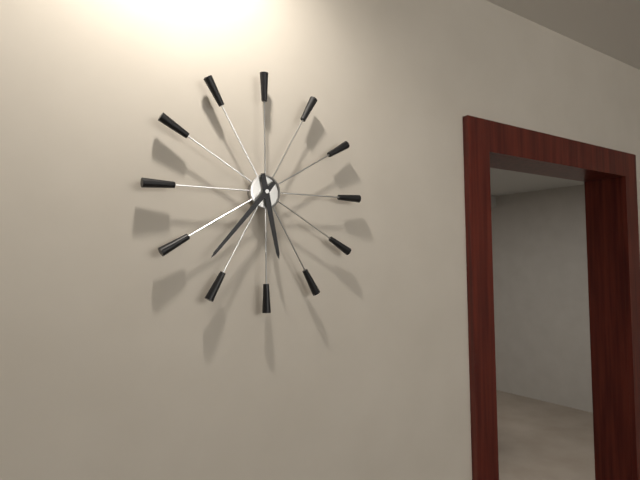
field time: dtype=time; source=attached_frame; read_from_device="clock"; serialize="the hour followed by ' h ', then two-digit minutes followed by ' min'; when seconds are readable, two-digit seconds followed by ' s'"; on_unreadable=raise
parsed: 5 h 37 min
